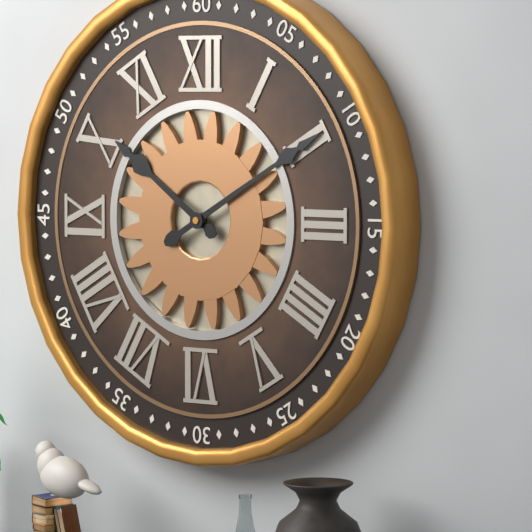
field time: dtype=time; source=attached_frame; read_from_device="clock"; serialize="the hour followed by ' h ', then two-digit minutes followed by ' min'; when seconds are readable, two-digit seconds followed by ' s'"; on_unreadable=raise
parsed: 10 h 10 min
